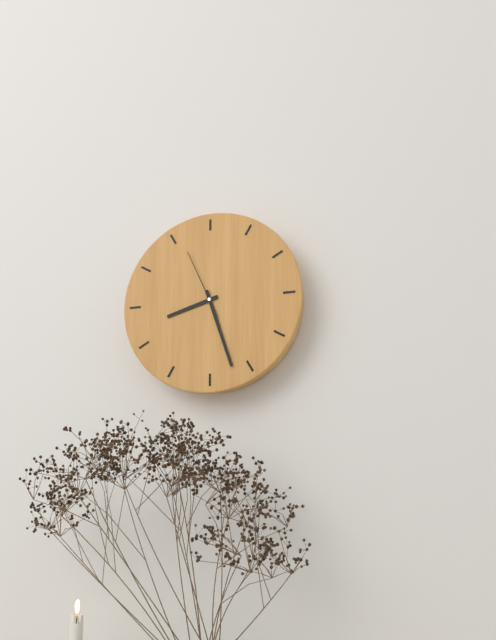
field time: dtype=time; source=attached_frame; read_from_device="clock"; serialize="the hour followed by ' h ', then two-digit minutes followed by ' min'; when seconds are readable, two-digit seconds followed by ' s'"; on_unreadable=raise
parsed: 8 h 27 min 56 s
